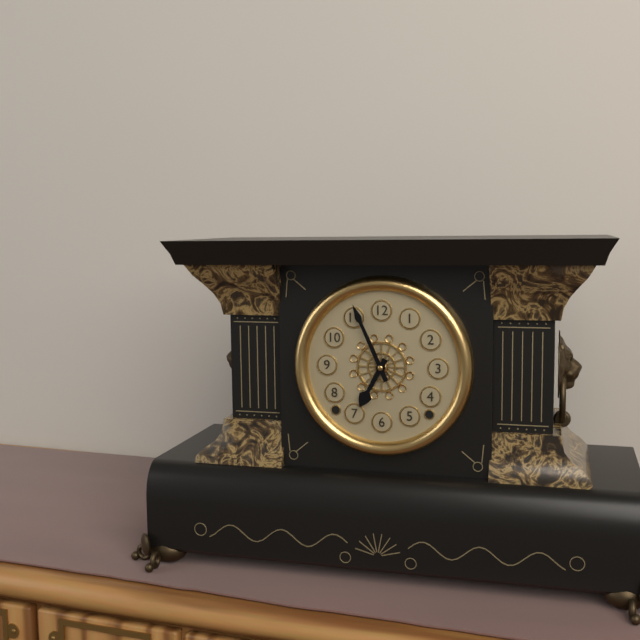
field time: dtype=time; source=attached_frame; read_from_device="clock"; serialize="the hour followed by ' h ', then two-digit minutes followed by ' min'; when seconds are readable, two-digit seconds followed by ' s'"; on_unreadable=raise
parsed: 6 h 56 min
